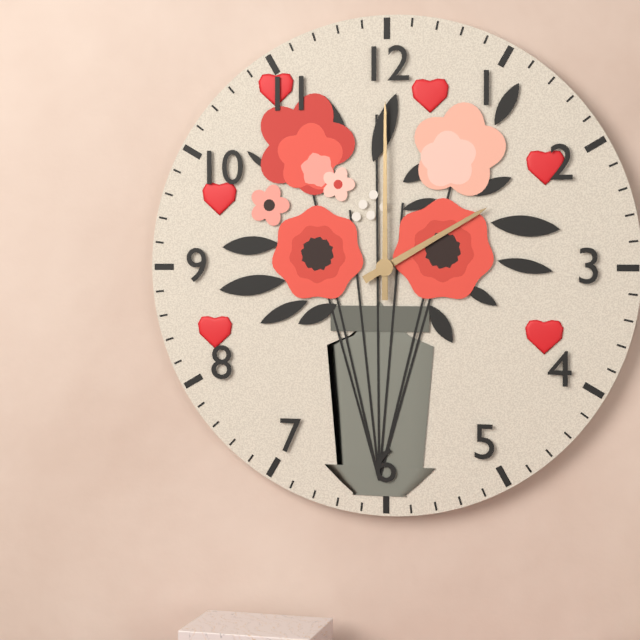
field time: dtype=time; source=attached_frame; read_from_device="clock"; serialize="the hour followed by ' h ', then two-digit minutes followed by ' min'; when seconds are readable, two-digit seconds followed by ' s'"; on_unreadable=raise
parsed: 2 h 00 min
